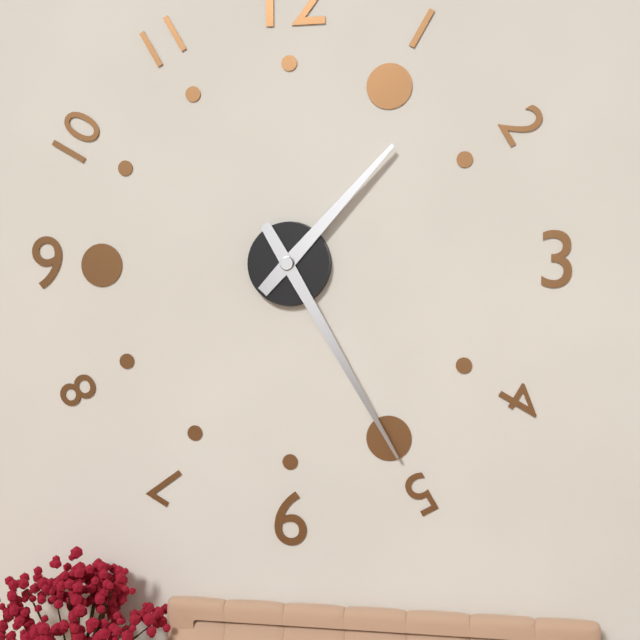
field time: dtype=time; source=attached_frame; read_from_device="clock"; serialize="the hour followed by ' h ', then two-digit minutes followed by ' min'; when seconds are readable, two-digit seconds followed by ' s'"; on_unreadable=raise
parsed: 1 h 25 min
